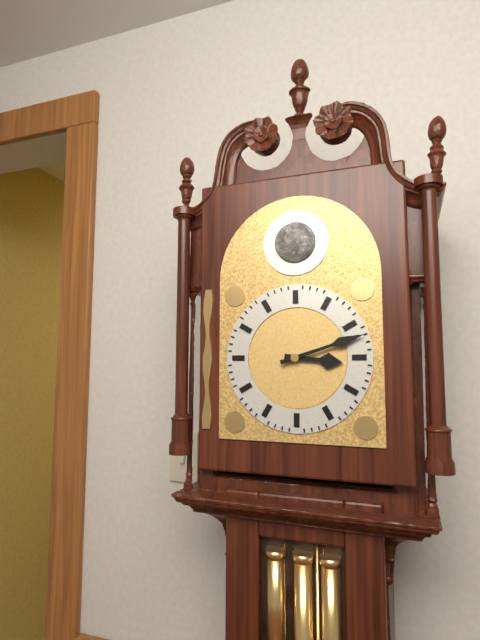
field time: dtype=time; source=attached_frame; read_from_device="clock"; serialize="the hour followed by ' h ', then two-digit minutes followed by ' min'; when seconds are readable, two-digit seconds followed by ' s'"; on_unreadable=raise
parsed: 3 h 12 min
